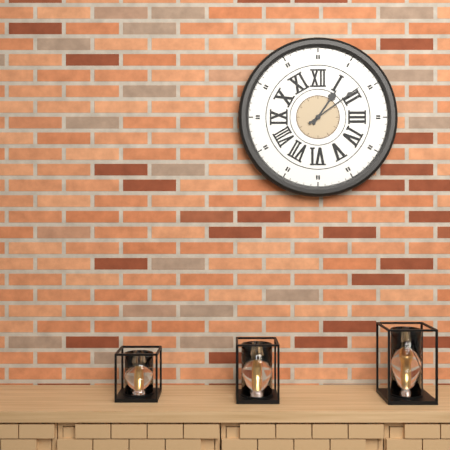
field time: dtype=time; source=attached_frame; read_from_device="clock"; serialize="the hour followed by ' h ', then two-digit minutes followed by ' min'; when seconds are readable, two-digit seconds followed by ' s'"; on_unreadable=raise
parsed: 1 h 09 min
